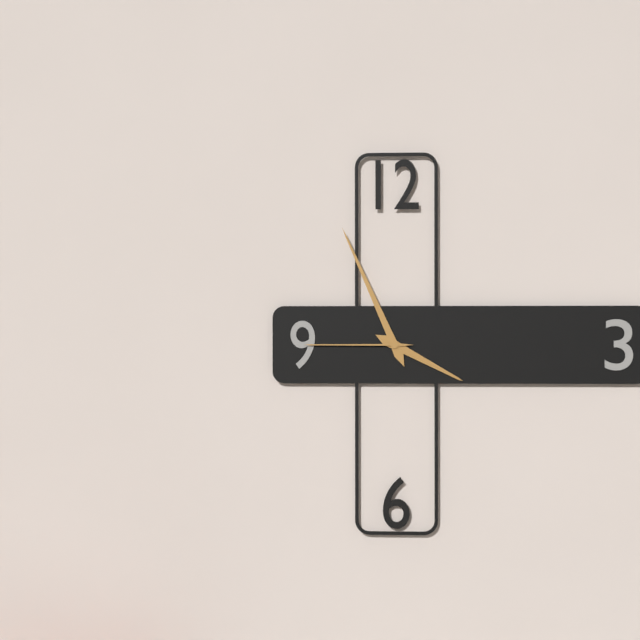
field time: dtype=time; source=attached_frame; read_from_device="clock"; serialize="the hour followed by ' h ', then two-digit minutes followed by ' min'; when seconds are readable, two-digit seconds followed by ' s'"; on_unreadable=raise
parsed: 3 h 56 min 45 s
